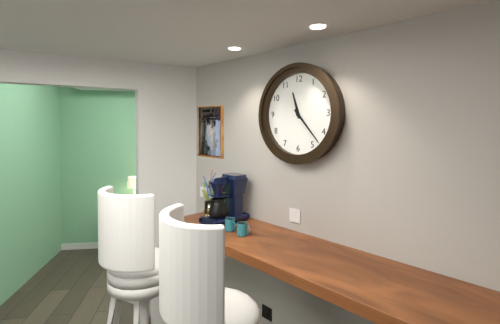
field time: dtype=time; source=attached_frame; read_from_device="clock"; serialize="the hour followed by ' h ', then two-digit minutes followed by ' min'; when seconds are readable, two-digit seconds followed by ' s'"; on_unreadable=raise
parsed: 11 h 23 min
